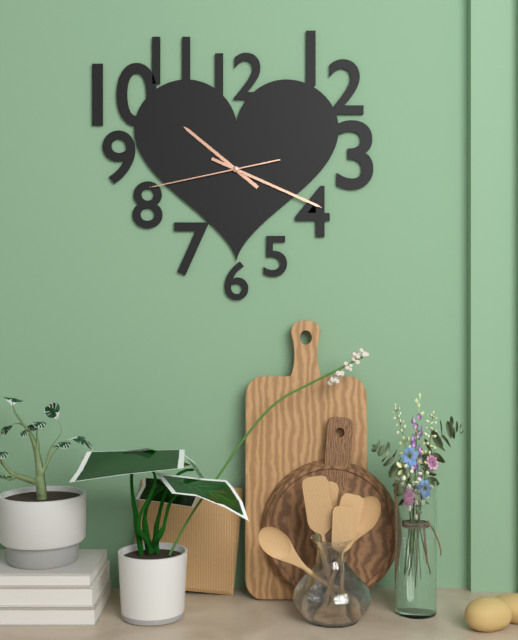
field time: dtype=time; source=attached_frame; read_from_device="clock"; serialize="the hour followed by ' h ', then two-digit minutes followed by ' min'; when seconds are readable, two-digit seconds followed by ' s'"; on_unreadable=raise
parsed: 10 h 19 min 43 s
